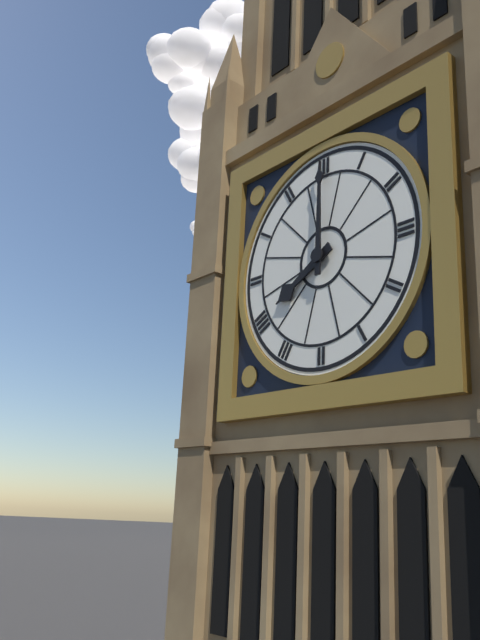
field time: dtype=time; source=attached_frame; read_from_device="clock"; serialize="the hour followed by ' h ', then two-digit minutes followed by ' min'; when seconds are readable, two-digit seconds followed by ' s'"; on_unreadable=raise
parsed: 8 h 00 min
